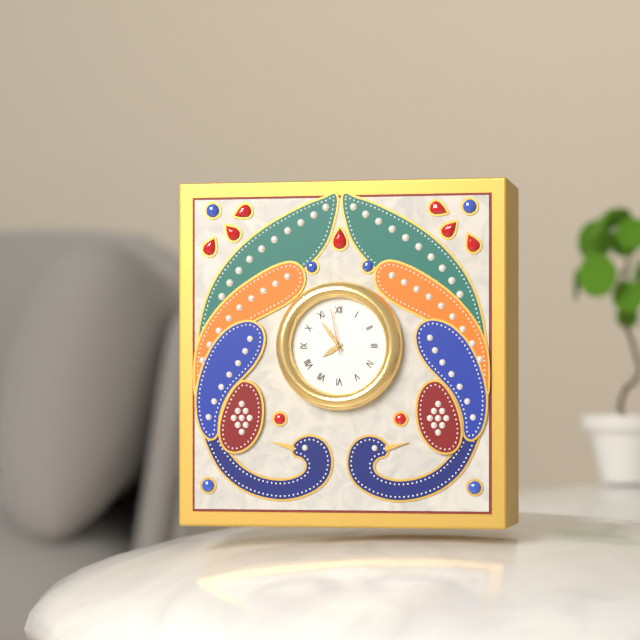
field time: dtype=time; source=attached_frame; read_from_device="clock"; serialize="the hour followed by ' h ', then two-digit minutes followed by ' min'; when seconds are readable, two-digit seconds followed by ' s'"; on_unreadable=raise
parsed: 7 h 54 min
